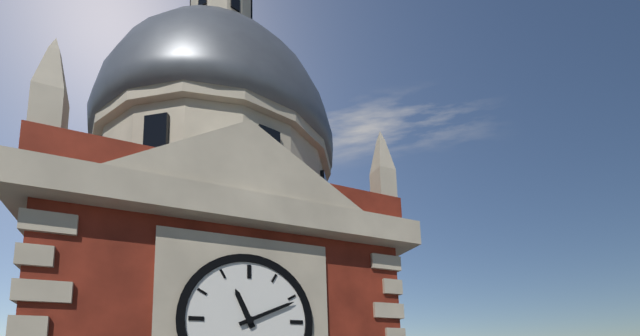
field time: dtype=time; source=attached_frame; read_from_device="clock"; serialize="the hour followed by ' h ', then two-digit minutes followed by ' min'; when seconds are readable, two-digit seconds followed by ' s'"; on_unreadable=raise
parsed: 11 h 11 min
